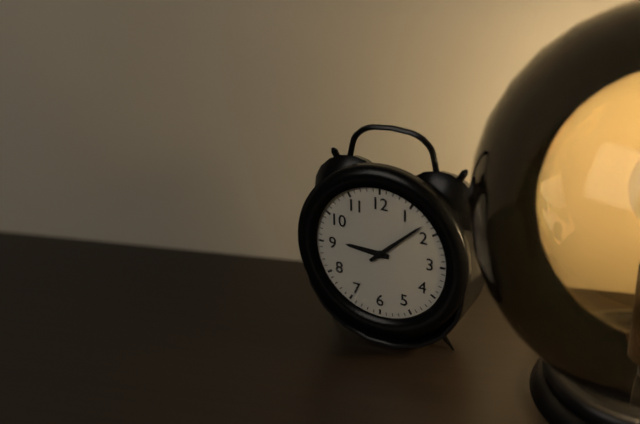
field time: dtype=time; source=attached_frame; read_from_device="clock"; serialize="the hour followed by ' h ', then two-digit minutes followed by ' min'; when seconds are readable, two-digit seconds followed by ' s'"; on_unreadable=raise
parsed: 9 h 08 min
